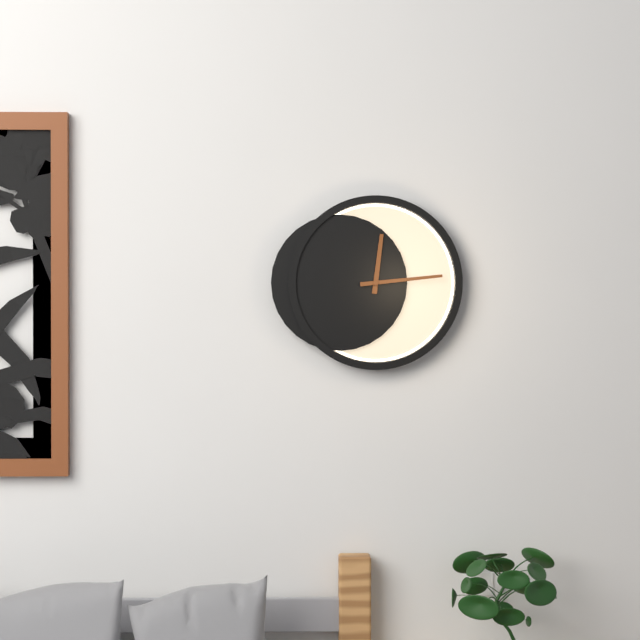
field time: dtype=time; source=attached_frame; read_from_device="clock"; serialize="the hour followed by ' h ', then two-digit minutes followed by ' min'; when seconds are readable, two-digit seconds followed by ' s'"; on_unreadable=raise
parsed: 12 h 14 min
